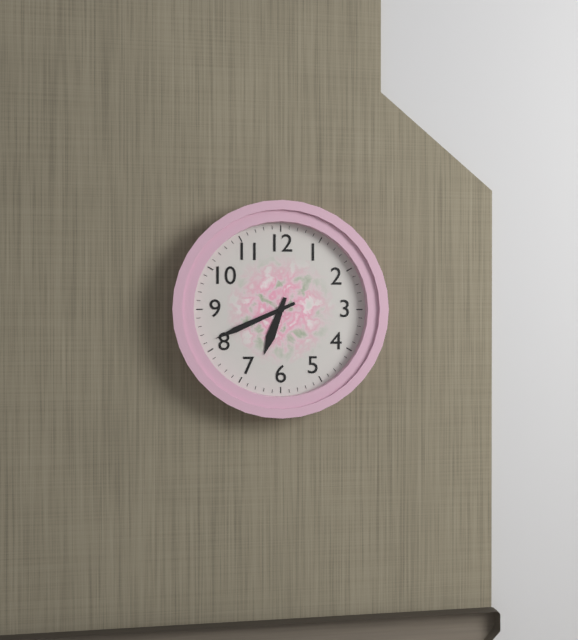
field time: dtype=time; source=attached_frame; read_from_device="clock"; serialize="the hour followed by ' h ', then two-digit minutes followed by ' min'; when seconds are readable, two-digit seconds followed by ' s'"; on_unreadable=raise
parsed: 6 h 41 min
